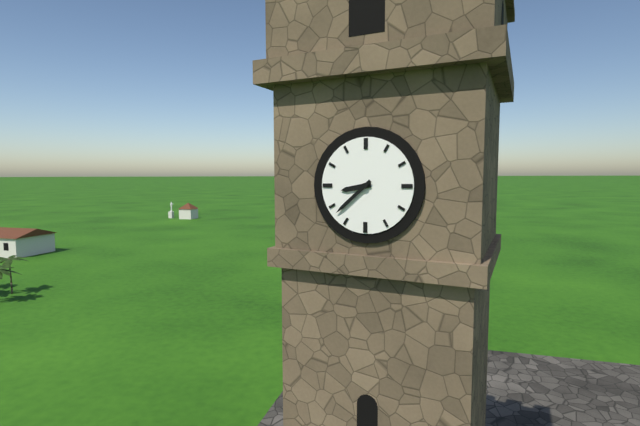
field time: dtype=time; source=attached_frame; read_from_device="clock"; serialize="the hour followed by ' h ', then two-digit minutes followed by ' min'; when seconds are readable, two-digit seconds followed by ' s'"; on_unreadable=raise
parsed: 8 h 38 min
